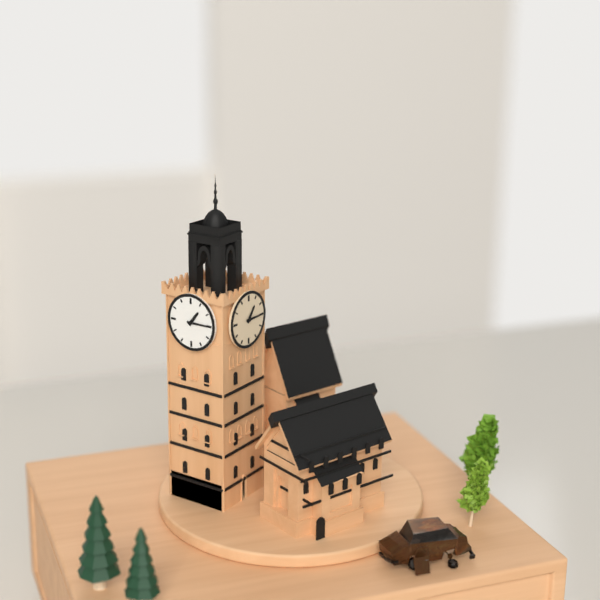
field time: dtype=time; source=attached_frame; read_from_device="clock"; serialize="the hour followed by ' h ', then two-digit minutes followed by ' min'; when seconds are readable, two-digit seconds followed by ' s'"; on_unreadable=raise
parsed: 1 h 15 min
